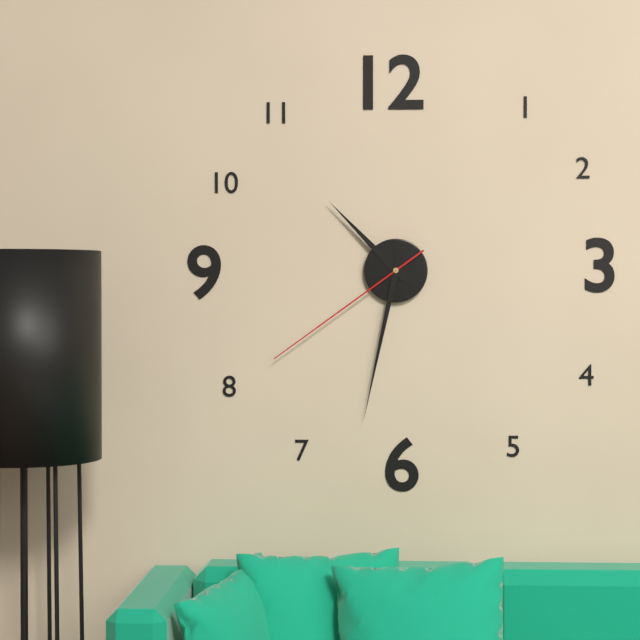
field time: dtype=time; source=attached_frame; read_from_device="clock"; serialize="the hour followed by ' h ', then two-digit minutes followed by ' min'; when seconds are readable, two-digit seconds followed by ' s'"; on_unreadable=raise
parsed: 10 h 32 min 39 s
